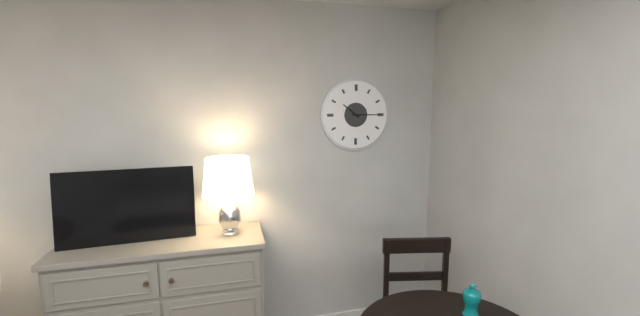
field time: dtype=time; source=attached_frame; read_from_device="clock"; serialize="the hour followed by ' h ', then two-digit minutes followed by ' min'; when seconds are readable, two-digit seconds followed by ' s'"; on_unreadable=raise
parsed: 10 h 15 min
